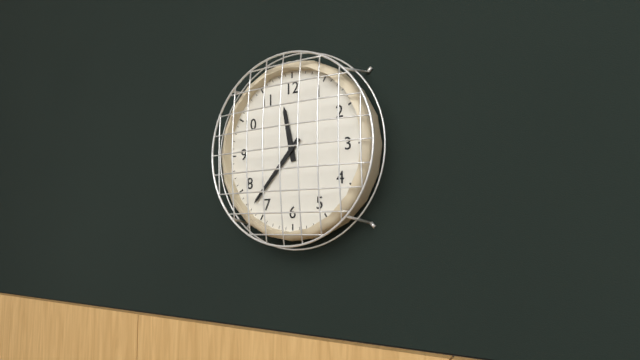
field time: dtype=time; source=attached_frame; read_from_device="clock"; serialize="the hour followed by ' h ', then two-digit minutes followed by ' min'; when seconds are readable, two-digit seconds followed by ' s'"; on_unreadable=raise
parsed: 11 h 37 min
